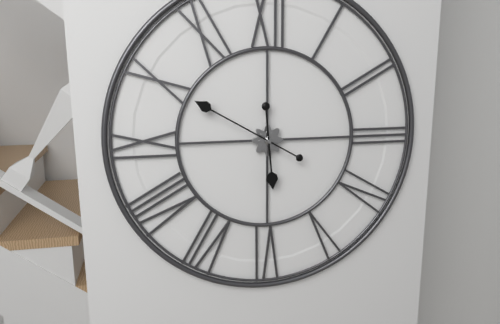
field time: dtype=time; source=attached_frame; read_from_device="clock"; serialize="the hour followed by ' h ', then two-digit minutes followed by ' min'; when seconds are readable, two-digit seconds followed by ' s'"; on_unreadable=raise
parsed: 5 h 50 min
